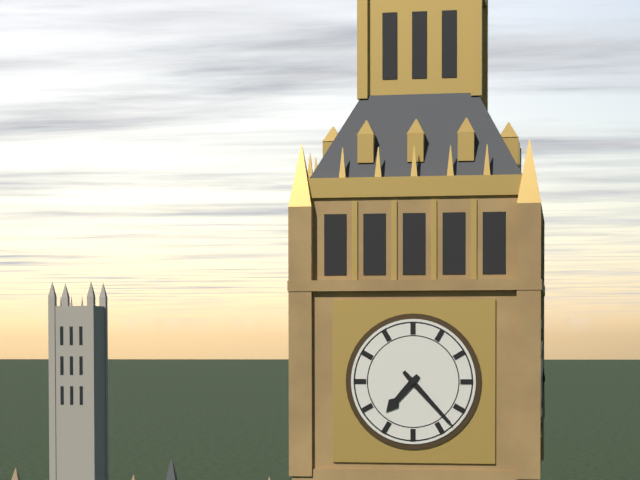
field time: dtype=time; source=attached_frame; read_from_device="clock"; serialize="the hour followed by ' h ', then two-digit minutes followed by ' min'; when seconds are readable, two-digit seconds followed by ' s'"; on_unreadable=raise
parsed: 7 h 23 min
